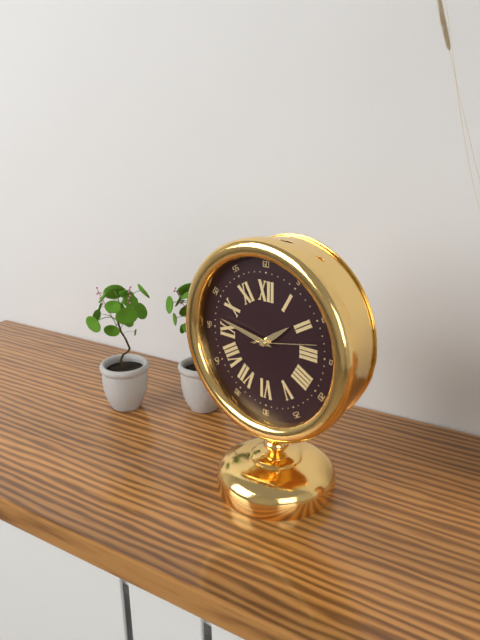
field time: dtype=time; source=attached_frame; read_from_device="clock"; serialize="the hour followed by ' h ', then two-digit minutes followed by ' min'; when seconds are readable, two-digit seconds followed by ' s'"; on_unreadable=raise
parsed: 1 h 47 min 13 s
